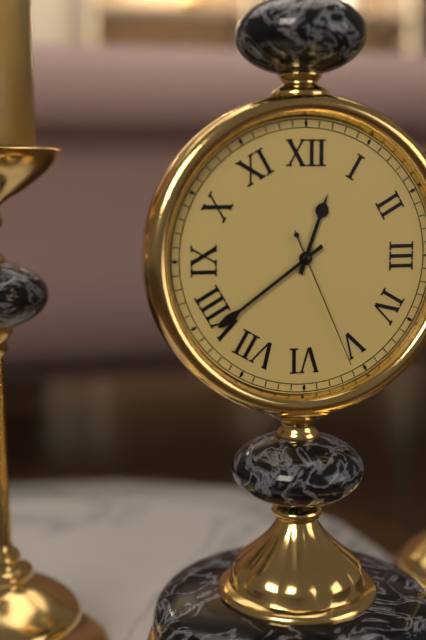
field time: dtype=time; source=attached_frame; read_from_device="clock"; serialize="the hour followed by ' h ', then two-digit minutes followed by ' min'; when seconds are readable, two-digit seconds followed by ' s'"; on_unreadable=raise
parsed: 12 h 39 min 26 s
